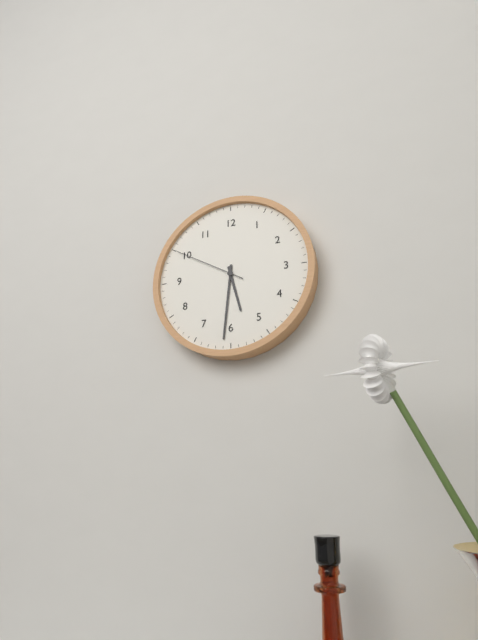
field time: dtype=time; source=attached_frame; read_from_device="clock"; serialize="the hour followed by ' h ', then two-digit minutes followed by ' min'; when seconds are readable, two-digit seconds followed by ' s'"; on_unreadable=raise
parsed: 5 h 31 min 50 s
